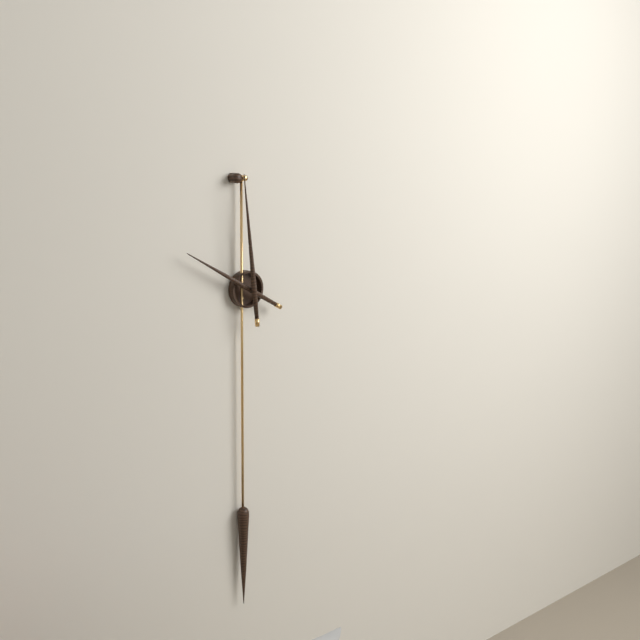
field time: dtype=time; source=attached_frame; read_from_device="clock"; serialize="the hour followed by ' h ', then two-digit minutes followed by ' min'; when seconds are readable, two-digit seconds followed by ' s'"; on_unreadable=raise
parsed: 9 h 59 min
